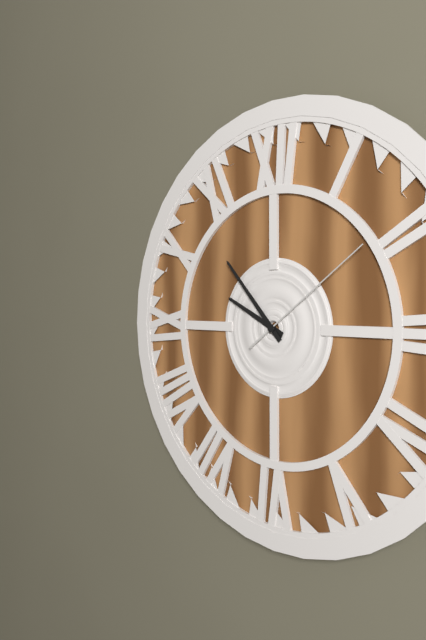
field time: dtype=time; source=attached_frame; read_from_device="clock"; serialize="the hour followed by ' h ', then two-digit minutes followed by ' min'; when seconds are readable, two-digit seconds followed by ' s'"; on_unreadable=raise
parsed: 9 h 53 min 09 s
